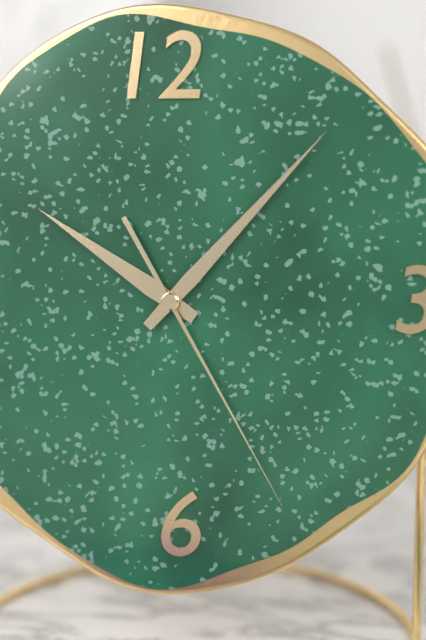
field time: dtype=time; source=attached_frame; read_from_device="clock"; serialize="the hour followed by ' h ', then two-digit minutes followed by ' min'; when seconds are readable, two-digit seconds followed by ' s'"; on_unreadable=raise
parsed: 10 h 07 min 25 s
